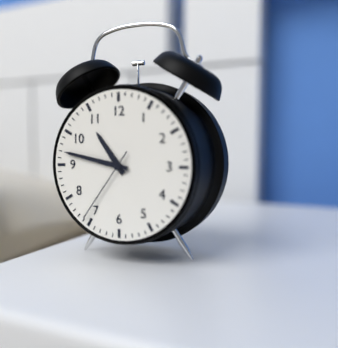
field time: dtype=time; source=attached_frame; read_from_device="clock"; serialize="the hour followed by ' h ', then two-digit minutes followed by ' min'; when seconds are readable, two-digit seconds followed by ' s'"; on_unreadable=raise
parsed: 10 h 47 min 36 s
